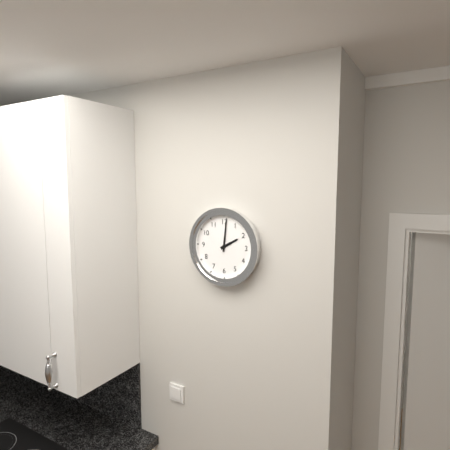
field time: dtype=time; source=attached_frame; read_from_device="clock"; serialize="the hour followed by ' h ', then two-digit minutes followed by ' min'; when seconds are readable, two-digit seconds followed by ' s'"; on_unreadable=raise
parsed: 2 h 01 min
